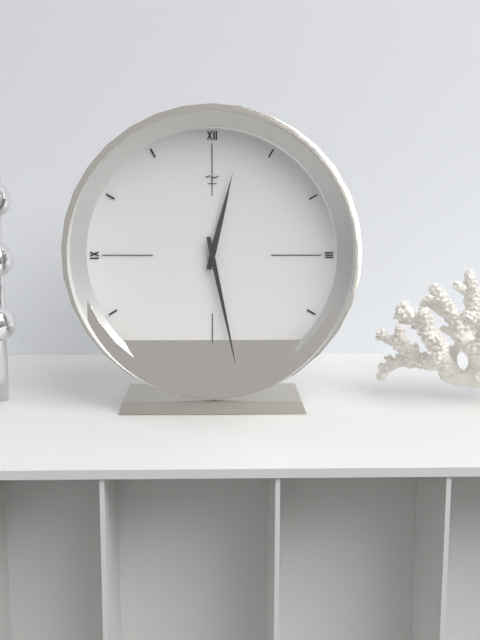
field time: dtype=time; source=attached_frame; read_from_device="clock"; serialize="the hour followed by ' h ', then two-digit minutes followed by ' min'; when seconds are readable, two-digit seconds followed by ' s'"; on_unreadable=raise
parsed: 12 h 28 min
